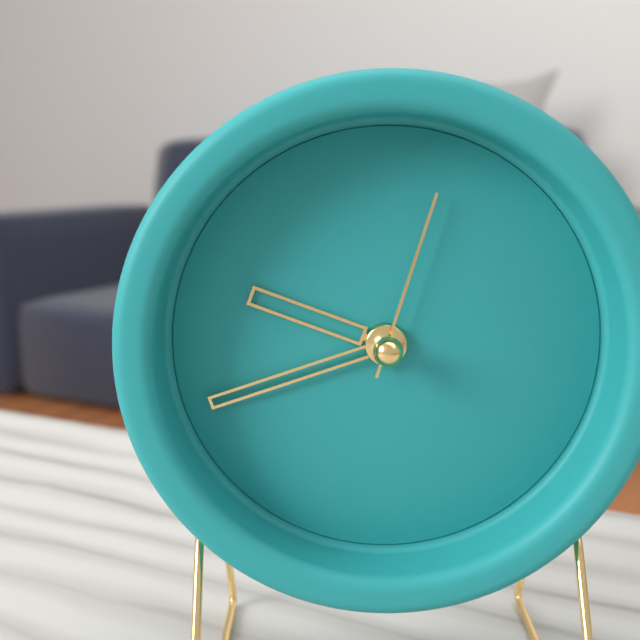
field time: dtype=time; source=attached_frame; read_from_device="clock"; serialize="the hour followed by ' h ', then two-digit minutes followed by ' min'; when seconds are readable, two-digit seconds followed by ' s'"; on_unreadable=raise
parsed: 9 h 42 min 03 s
